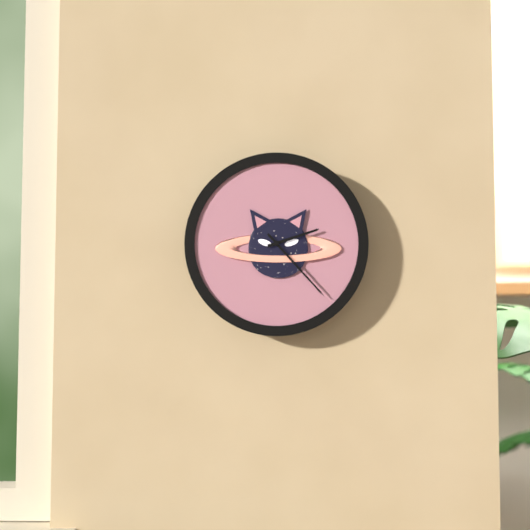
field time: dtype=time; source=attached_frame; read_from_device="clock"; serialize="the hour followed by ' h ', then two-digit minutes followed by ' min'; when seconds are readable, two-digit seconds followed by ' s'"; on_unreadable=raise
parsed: 2 h 23 min
